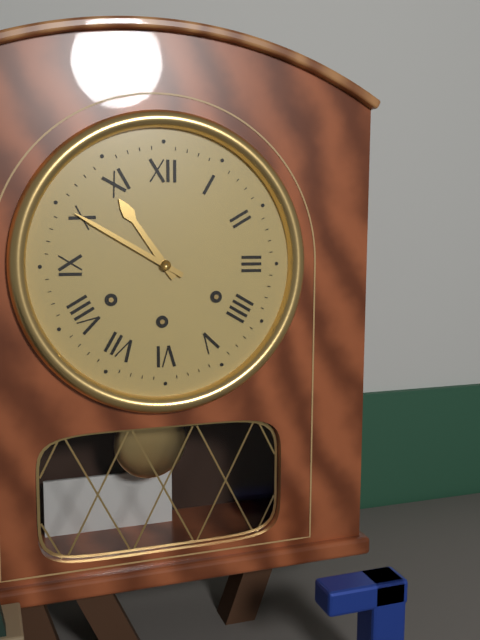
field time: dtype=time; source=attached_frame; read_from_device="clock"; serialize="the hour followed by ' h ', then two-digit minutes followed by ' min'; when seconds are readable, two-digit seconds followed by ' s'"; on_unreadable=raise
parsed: 10 h 50 min
